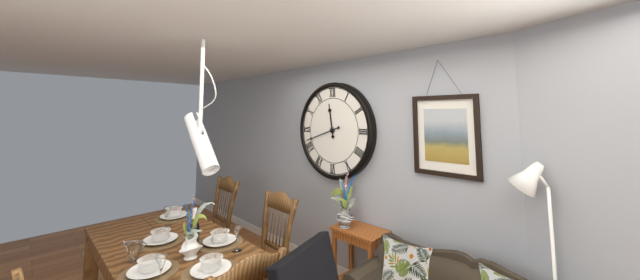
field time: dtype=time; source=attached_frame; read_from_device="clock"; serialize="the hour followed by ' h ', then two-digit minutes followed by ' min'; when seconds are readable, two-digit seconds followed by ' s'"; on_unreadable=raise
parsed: 11 h 42 min
